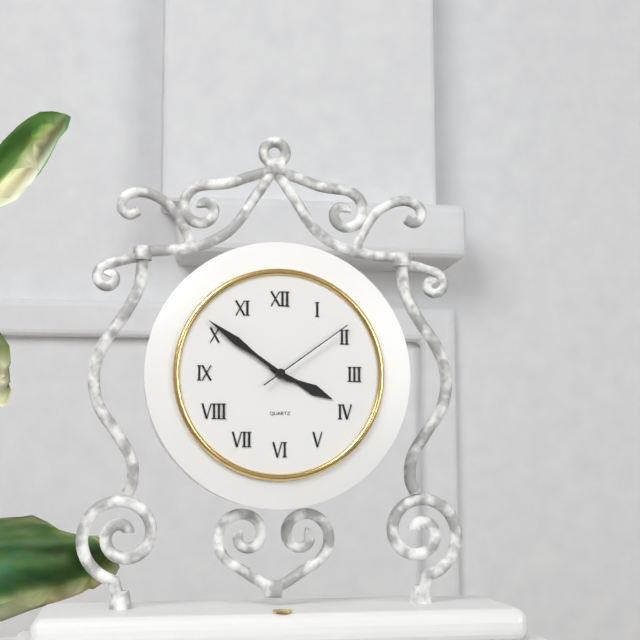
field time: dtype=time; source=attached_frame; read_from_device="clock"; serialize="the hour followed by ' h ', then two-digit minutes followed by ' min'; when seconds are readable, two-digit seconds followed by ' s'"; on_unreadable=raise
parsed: 3 h 51 min 09 s
